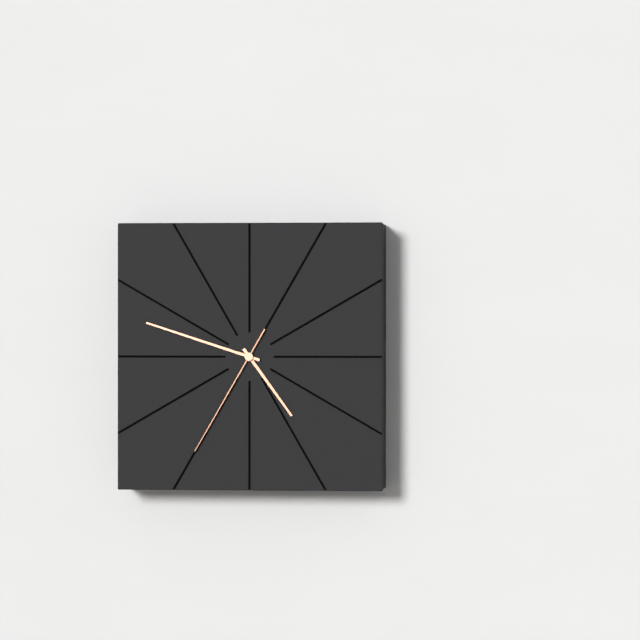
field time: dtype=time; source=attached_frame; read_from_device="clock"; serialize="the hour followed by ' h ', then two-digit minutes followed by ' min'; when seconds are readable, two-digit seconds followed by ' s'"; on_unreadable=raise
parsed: 4 h 48 min 35 s
